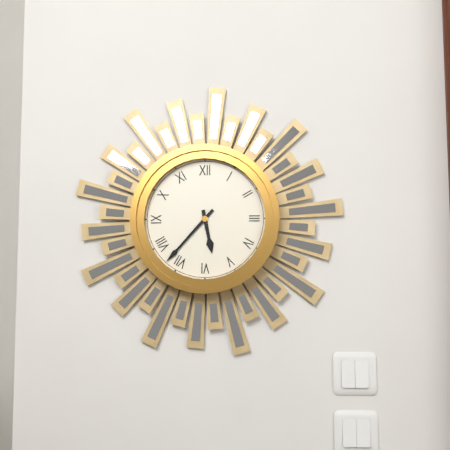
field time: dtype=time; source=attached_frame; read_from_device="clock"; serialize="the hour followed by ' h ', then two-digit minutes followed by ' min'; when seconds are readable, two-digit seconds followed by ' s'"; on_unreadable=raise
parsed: 5 h 37 min
